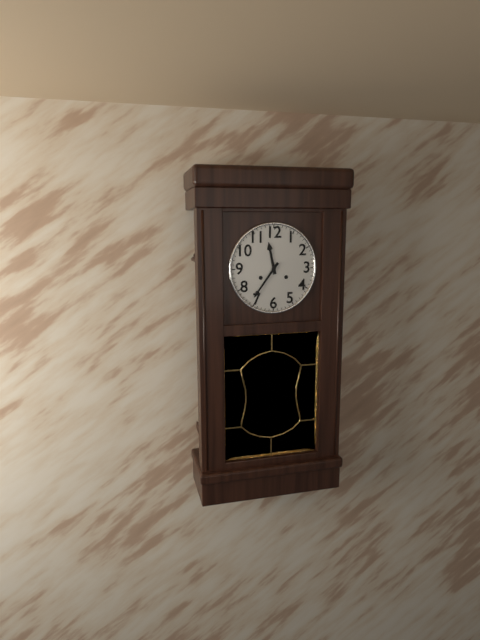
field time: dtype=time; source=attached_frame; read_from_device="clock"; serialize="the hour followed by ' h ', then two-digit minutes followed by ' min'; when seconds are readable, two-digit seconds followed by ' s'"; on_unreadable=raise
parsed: 11 h 36 min
